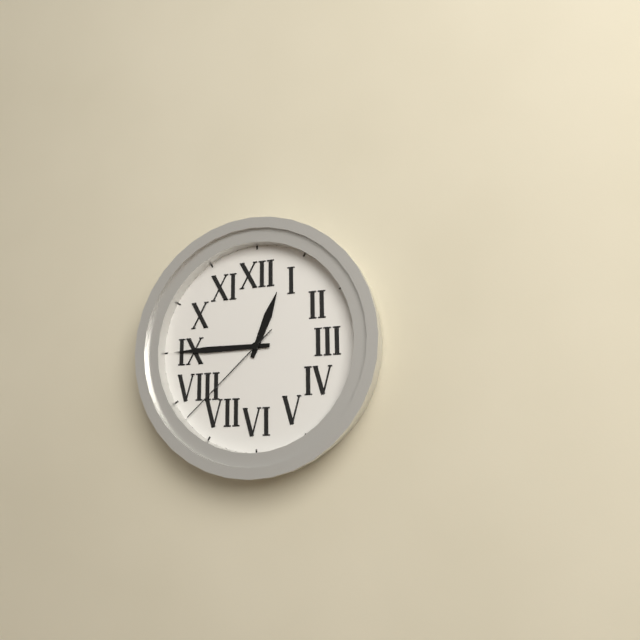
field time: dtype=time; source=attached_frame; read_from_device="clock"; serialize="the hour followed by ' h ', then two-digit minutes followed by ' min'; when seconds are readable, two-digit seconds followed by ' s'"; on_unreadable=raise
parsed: 12 h 45 min 38 s
